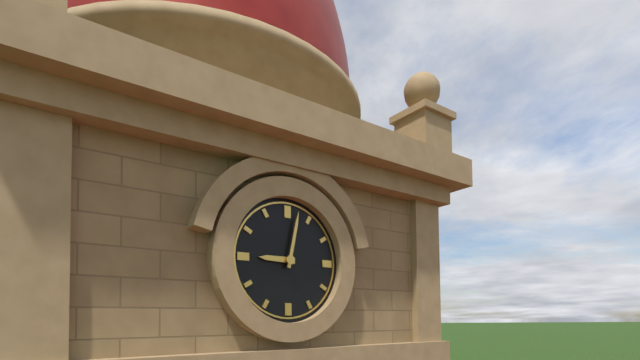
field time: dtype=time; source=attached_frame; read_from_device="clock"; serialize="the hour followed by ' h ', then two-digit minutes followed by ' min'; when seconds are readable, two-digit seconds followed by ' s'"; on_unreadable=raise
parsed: 9 h 02 min
